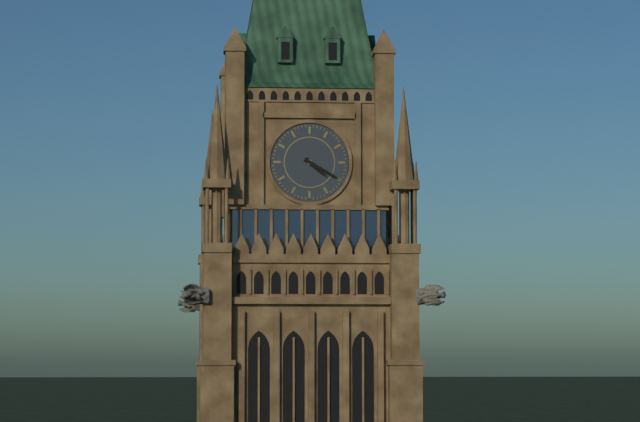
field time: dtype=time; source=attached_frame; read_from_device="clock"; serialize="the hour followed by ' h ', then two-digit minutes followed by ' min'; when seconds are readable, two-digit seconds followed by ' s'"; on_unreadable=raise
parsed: 4 h 20 min
